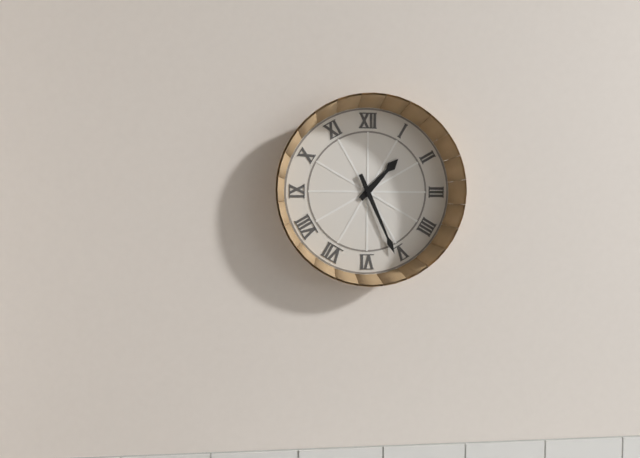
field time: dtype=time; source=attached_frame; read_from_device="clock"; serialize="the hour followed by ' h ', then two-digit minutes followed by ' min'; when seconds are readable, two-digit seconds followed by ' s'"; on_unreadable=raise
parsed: 1 h 26 min
